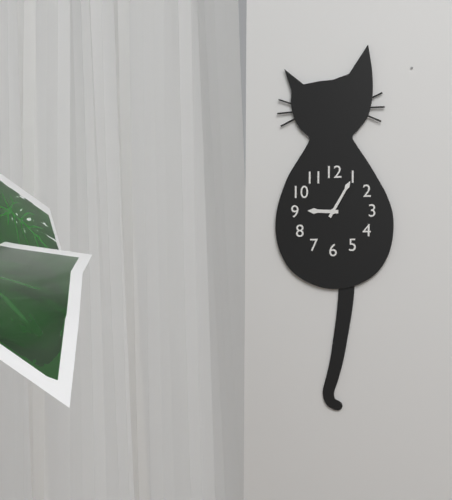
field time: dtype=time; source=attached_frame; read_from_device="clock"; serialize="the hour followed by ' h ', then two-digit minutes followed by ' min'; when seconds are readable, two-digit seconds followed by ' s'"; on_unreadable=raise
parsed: 9 h 05 min
